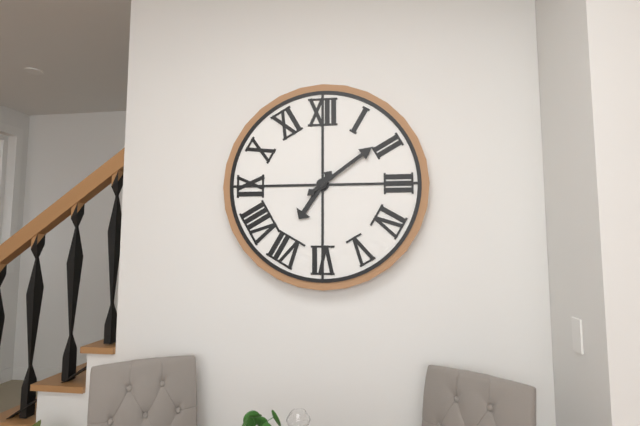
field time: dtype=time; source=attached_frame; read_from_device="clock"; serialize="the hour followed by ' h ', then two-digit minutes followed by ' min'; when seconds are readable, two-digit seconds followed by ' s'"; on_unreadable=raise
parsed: 7 h 09 min
